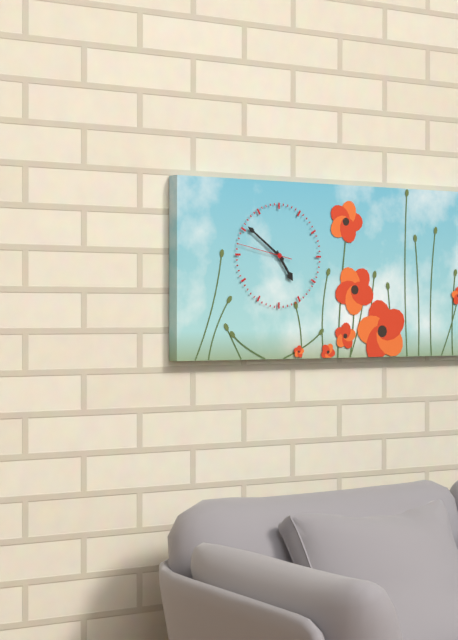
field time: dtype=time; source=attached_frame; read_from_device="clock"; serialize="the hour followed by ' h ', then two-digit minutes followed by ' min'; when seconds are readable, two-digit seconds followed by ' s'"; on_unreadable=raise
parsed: 4 h 51 min 47 s
